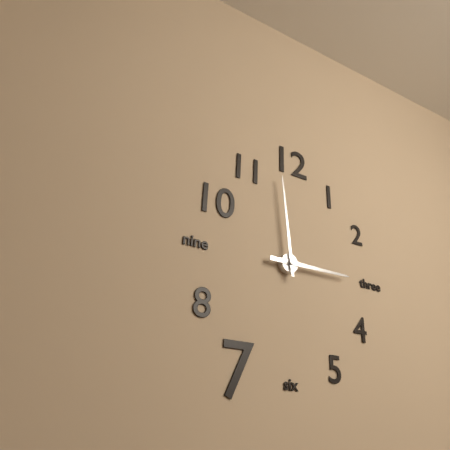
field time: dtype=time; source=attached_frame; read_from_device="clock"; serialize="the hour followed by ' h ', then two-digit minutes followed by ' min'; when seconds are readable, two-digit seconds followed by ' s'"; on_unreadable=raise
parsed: 2 h 59 min
